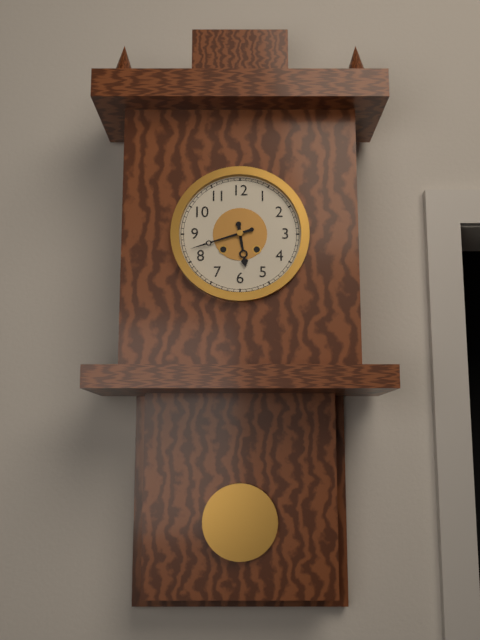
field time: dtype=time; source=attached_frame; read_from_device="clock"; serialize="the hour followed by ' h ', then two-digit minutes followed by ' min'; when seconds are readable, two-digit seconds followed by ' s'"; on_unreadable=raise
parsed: 5 h 42 min
